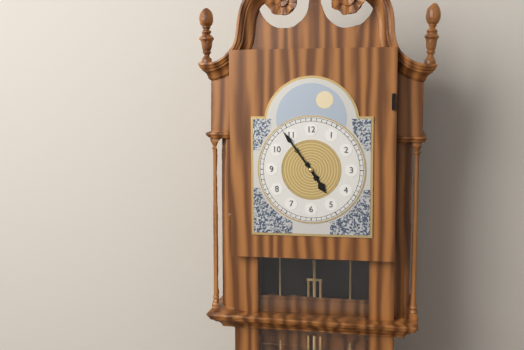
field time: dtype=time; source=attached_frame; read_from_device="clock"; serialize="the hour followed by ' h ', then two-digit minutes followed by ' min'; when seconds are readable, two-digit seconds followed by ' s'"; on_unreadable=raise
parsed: 4 h 54 min
